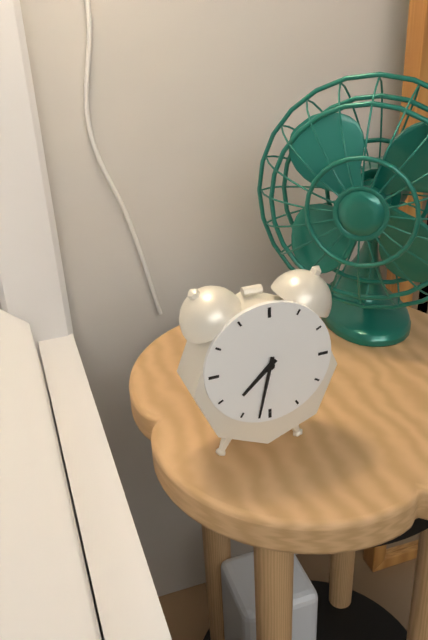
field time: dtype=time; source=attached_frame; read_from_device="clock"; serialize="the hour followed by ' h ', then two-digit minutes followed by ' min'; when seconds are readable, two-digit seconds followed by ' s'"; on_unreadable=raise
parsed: 7 h 32 min
